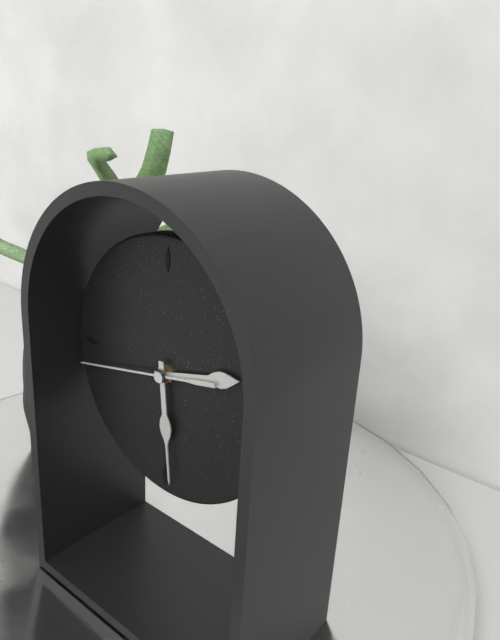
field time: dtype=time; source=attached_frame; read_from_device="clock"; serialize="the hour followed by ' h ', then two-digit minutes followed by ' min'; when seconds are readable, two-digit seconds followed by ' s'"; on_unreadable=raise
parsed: 2 h 29 min 43 s
